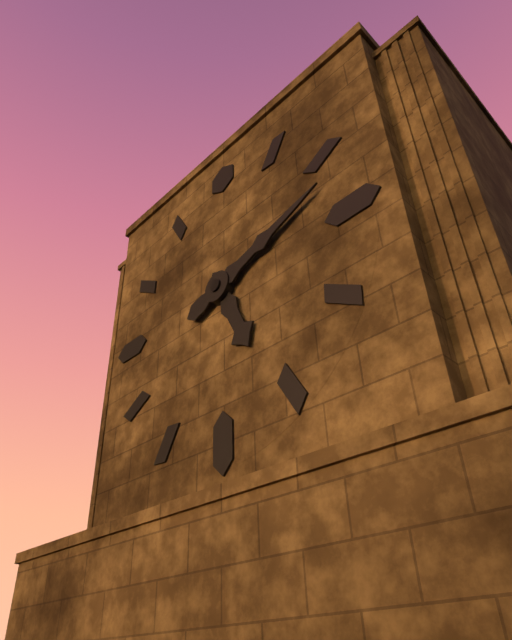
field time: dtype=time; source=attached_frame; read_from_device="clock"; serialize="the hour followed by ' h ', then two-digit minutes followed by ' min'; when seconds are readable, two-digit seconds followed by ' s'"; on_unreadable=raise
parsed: 5 h 12 min
